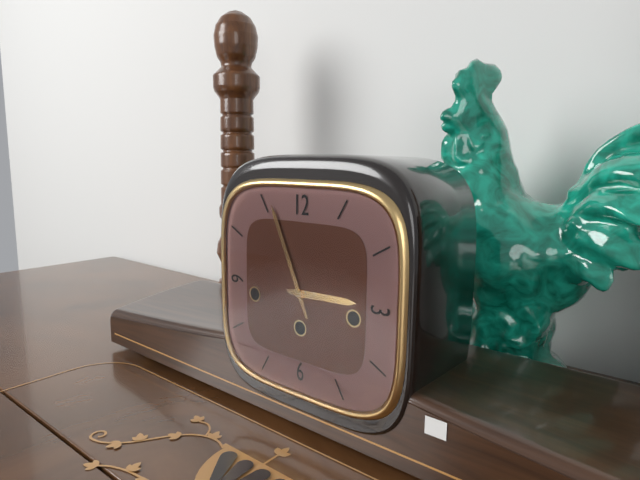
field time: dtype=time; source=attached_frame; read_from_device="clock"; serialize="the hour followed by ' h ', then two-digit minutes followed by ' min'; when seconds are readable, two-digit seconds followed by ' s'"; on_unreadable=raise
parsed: 2 h 56 min
